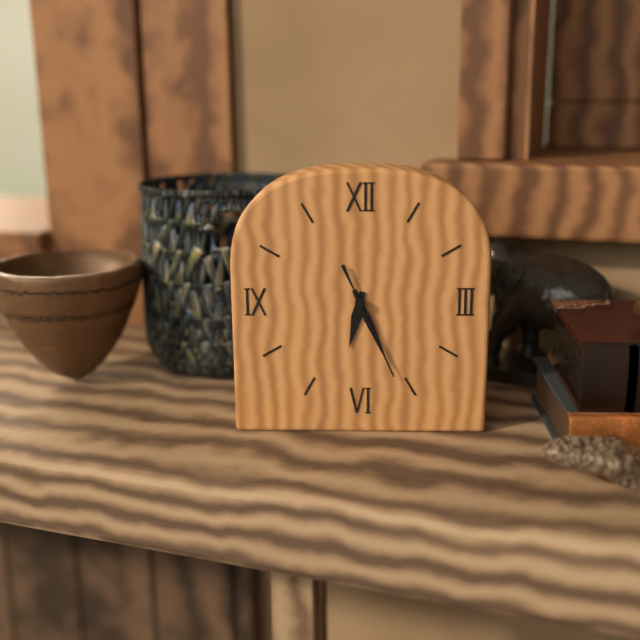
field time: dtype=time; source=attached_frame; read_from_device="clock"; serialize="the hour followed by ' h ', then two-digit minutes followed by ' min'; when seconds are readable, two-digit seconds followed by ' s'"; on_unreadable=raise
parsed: 6 h 26 min 26 s
